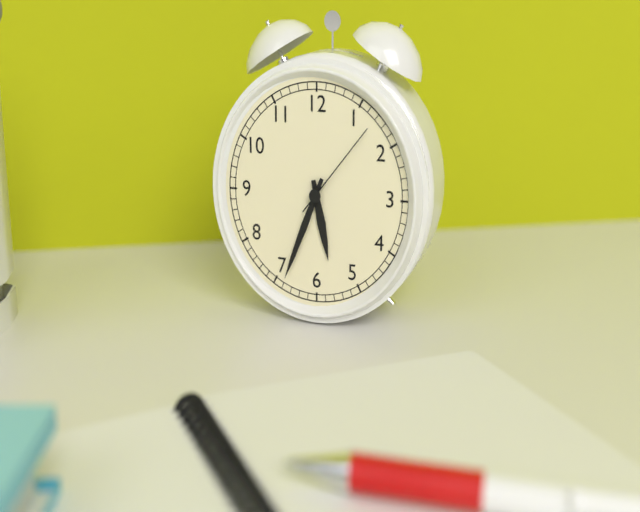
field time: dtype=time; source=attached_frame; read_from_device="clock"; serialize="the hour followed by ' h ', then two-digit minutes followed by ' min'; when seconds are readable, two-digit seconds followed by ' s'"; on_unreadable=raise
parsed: 5 h 34 min 07 s
